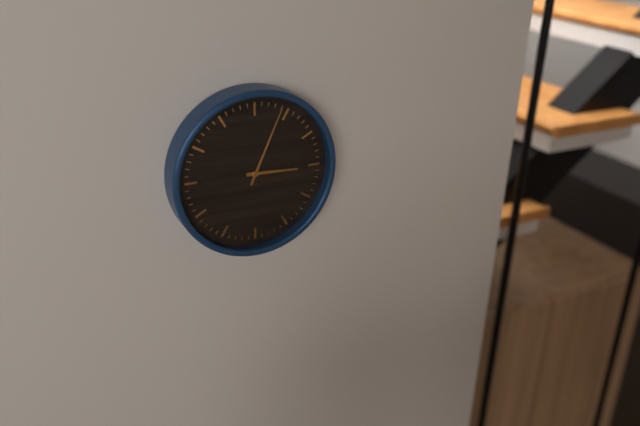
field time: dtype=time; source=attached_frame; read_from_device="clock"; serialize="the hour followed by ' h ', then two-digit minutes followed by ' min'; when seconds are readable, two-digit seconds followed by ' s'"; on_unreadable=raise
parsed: 3 h 04 min
